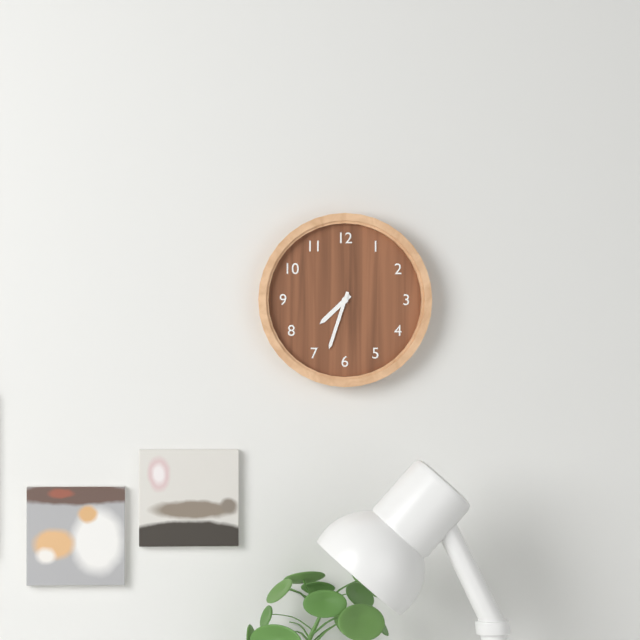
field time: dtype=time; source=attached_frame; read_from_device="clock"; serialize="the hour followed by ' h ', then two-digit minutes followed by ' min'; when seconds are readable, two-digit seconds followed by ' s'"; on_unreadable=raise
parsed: 7 h 33 min
